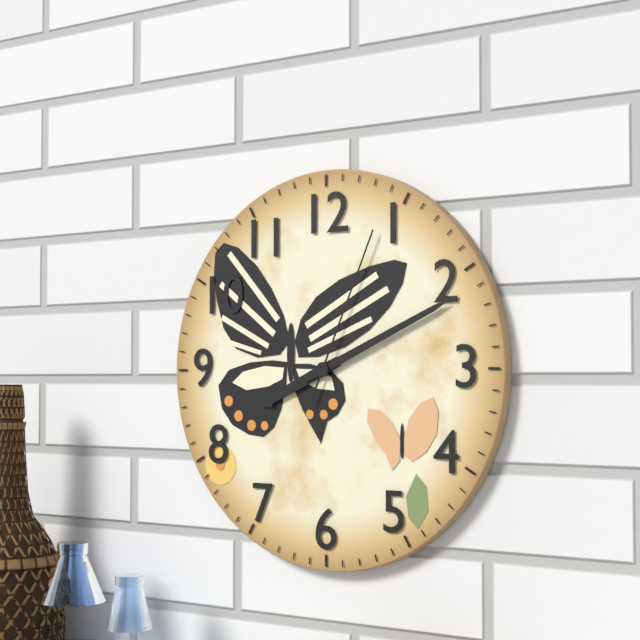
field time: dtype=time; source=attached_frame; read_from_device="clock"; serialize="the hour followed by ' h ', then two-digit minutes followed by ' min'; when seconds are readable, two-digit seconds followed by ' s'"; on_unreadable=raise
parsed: 8 h 11 min 04 s
